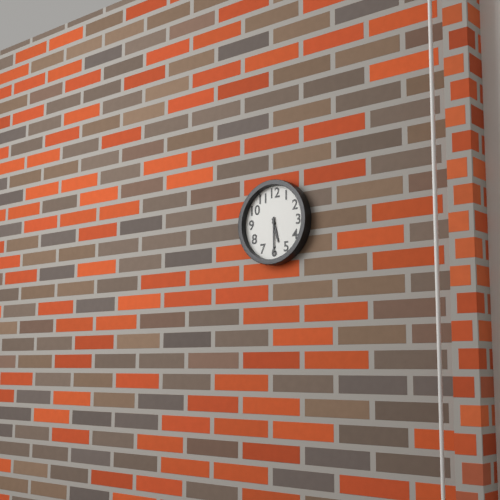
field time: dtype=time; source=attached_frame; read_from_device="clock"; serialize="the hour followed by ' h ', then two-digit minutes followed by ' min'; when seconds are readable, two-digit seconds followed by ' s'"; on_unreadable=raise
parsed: 5 h 30 min
